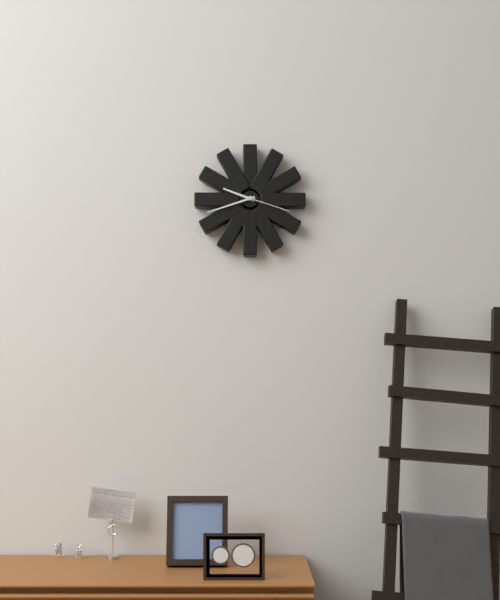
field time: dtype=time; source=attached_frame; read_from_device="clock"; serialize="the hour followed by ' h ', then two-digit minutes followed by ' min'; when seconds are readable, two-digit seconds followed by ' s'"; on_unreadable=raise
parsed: 9 h 42 min 18 s
